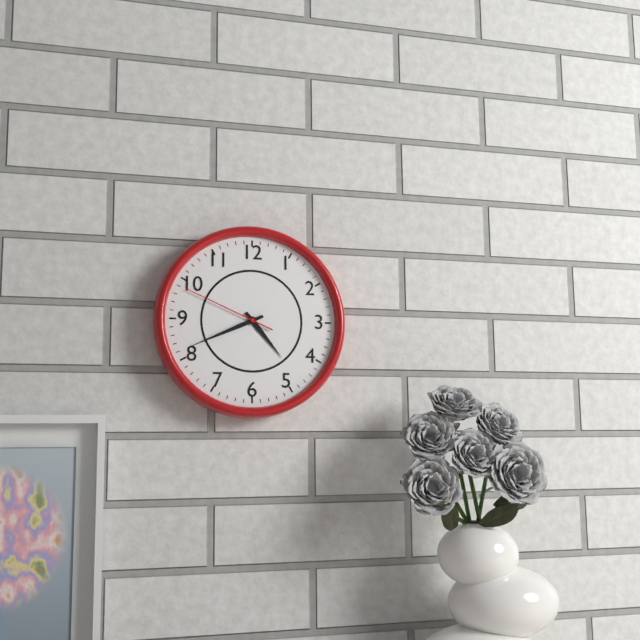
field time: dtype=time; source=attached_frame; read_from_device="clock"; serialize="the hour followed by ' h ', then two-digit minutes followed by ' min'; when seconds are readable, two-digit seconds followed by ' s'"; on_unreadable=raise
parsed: 4 h 41 min 49 s
